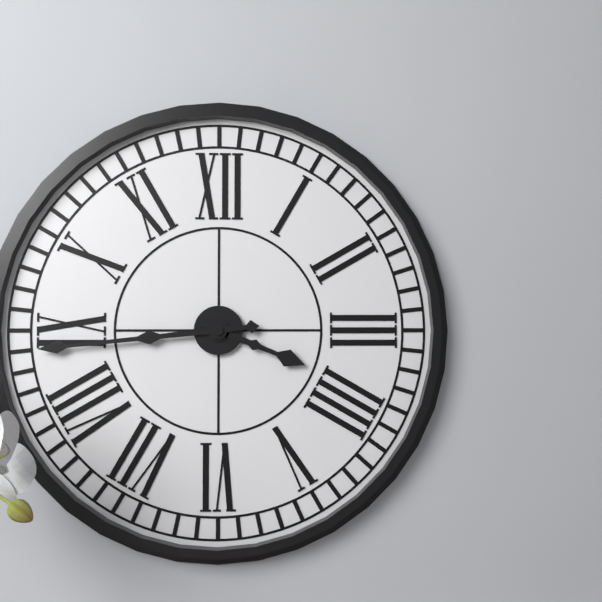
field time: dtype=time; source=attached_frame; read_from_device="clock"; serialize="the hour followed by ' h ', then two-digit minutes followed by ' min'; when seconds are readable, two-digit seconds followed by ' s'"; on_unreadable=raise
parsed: 3 h 44 min
